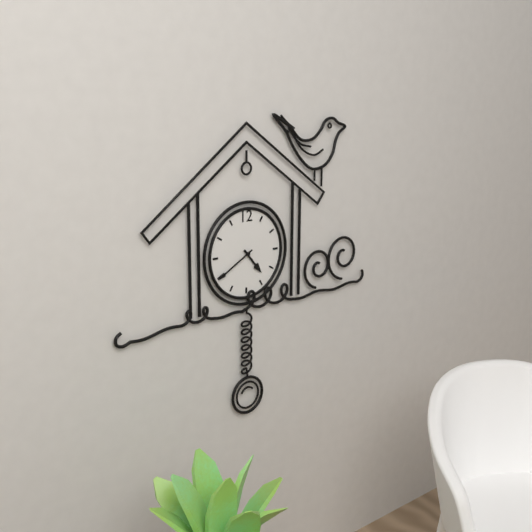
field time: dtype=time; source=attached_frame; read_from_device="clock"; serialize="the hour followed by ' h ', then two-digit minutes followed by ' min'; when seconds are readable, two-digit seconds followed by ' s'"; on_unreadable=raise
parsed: 4 h 40 min
